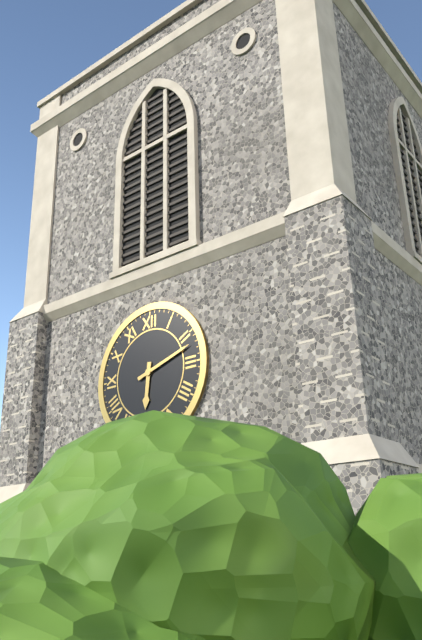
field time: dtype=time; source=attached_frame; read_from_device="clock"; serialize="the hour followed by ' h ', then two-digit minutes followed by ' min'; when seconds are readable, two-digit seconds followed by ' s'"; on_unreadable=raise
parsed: 6 h 12 min
